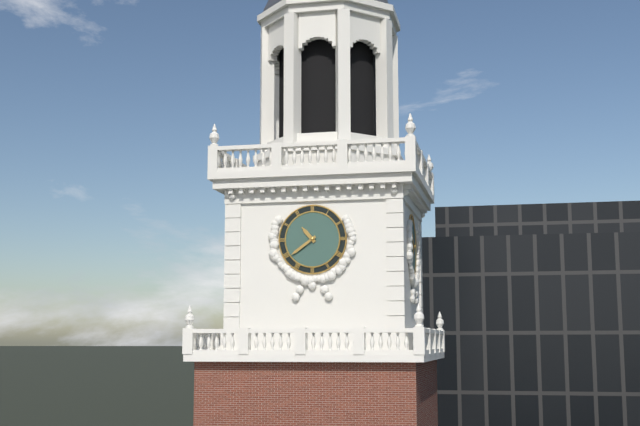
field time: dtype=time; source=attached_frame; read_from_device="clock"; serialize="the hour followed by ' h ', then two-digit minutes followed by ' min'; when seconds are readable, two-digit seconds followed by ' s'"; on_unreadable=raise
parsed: 10 h 39 min
